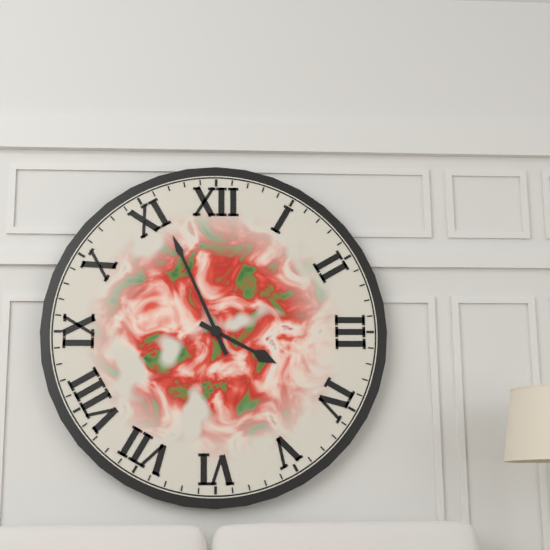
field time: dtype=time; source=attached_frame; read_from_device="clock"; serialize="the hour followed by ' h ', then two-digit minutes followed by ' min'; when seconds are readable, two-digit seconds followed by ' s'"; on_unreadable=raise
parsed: 3 h 56 min
